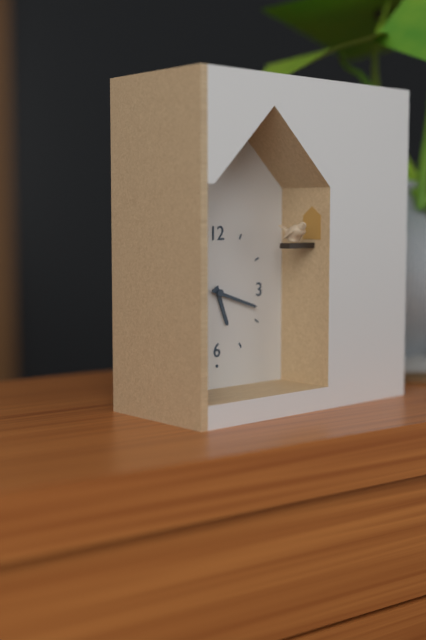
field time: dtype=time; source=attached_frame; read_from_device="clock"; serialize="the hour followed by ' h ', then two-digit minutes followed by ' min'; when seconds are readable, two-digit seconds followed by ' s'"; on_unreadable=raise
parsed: 5 h 18 min
